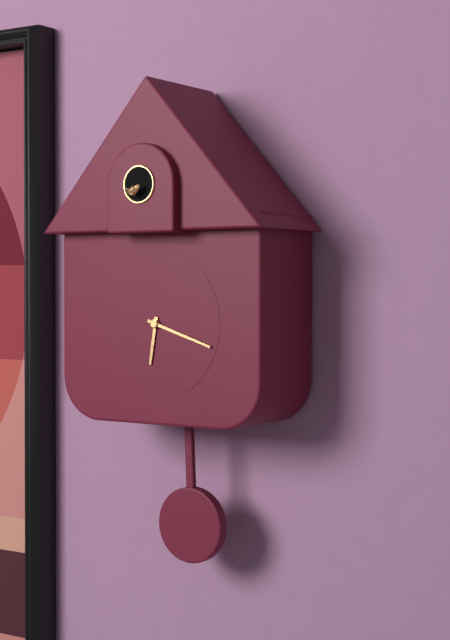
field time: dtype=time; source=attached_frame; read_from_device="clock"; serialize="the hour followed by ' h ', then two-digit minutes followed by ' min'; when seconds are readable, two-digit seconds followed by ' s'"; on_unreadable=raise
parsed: 6 h 18 min
